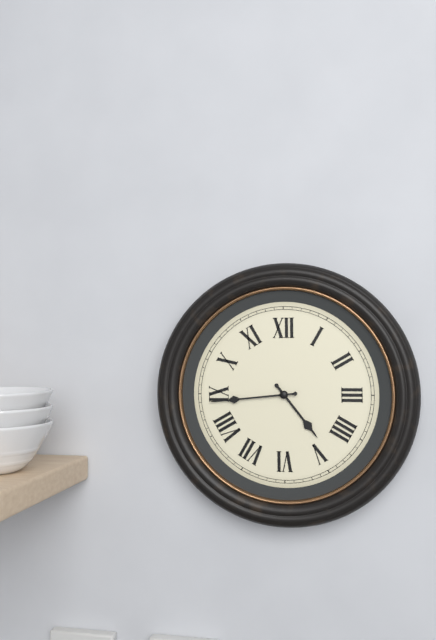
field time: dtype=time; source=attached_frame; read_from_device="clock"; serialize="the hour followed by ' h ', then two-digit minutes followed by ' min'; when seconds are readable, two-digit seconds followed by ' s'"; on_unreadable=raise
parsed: 4 h 44 min
